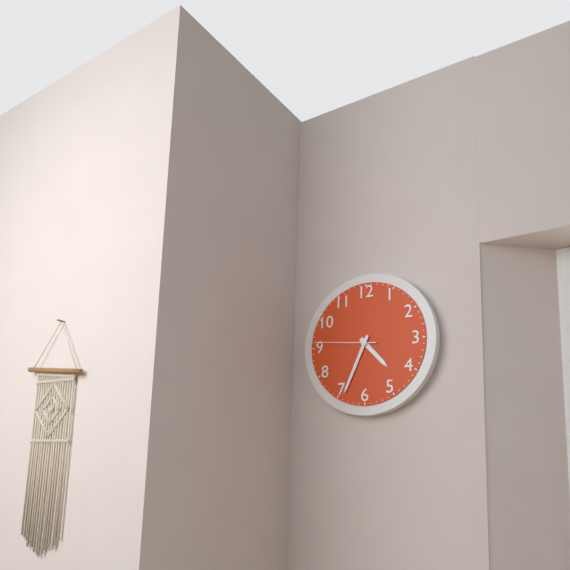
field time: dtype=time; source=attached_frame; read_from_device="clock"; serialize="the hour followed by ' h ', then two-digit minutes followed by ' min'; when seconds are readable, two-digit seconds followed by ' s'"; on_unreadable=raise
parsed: 4 h 34 min 46 s
